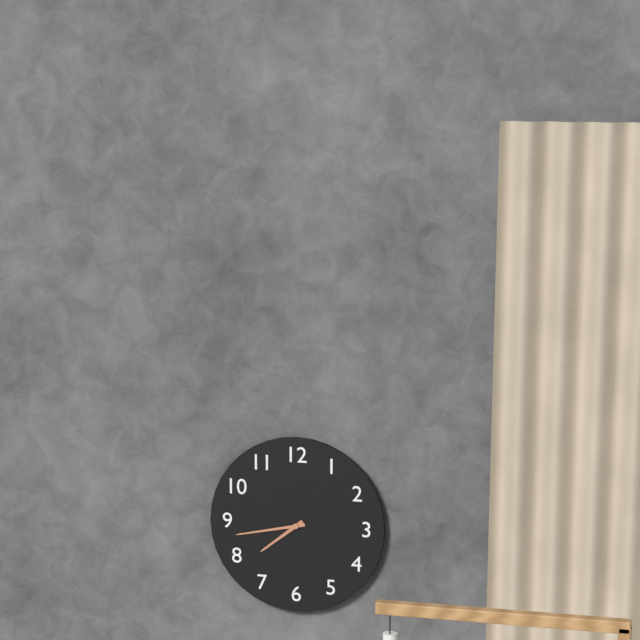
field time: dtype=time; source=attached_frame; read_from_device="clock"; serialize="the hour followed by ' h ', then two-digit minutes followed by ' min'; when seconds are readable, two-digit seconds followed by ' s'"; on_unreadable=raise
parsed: 7 h 43 min
